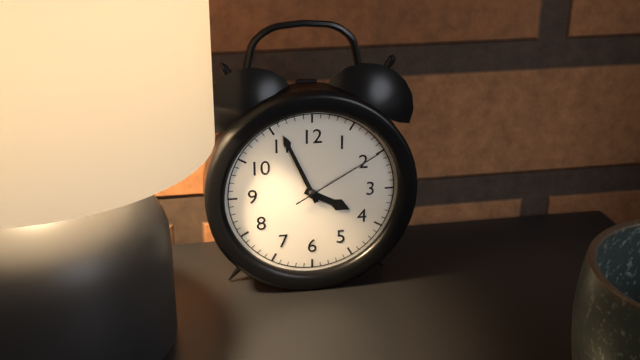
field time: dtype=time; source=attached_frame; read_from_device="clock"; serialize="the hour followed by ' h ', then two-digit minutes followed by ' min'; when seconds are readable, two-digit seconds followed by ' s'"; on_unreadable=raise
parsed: 3 h 56 min 10 s
